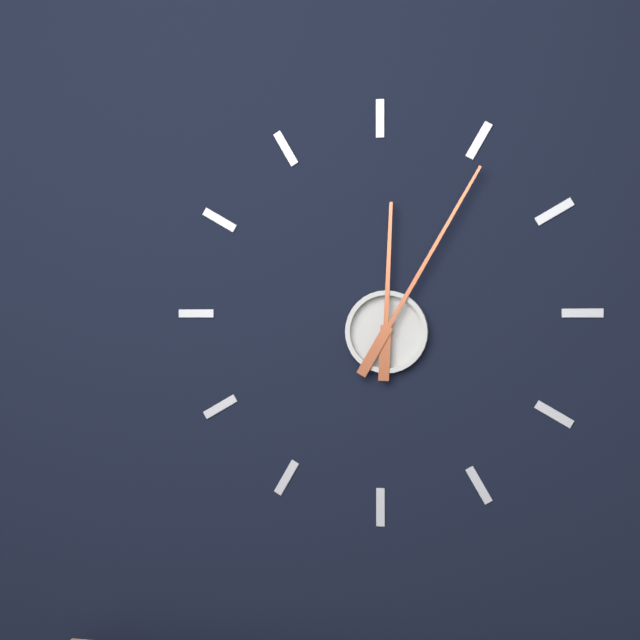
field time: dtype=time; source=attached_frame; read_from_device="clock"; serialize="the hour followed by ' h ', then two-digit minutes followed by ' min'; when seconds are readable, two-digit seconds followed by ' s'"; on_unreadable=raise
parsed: 12 h 05 min
